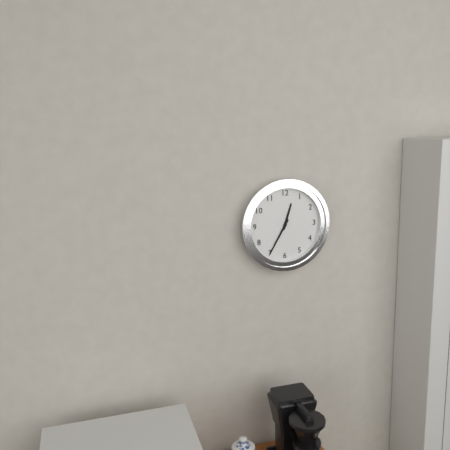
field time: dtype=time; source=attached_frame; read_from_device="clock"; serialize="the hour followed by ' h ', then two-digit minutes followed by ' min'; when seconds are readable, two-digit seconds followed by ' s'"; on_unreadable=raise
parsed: 12 h 35 min
